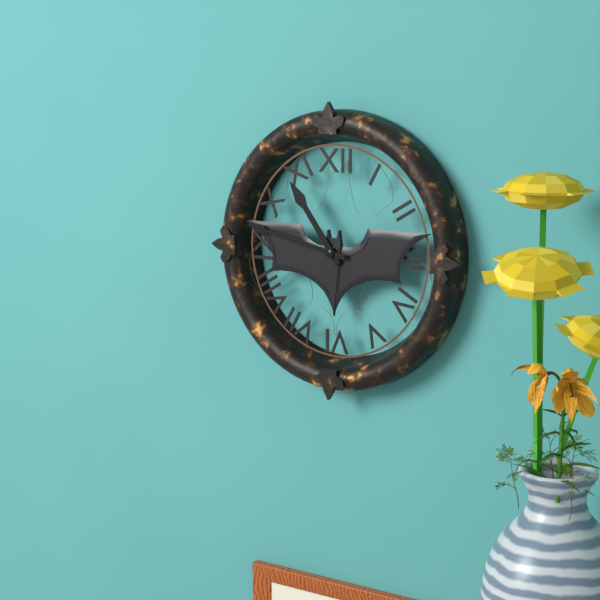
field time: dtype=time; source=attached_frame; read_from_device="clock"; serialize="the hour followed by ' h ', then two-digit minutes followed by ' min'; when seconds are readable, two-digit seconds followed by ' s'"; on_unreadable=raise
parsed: 10 h 47 min
